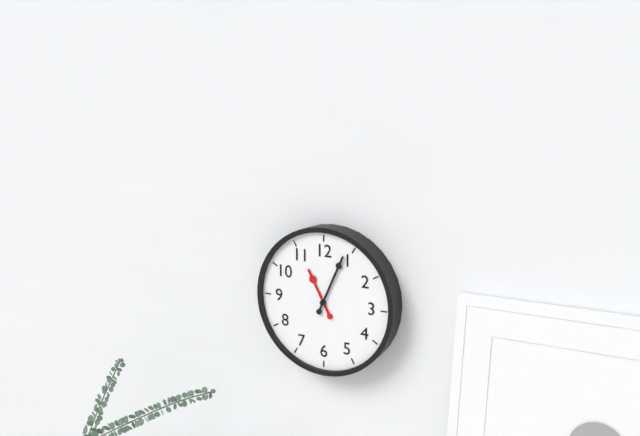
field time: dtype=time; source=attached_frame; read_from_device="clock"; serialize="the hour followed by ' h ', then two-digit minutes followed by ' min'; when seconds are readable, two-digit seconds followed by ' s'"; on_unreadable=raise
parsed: 11 h 04 min
